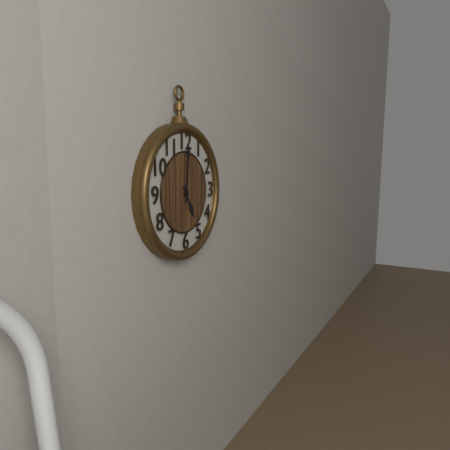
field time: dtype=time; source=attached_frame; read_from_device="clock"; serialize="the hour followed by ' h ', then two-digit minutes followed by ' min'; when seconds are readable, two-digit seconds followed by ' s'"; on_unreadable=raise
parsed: 5 h 01 min
